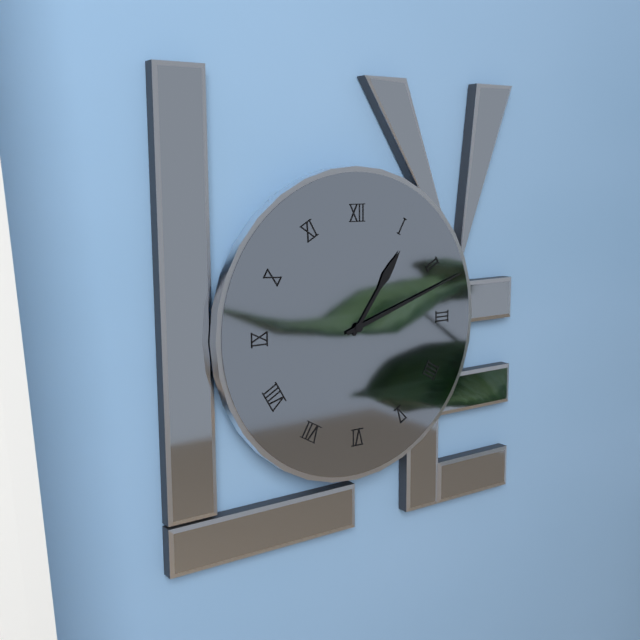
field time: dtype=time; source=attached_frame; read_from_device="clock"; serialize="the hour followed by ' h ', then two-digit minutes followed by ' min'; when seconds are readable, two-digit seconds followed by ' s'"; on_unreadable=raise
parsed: 1 h 12 min
